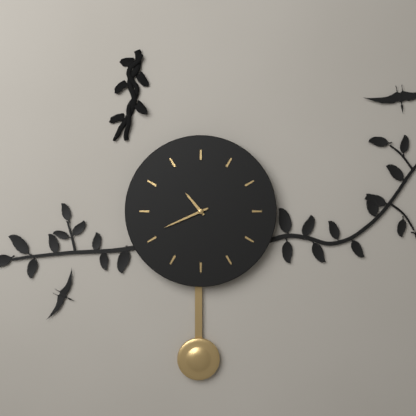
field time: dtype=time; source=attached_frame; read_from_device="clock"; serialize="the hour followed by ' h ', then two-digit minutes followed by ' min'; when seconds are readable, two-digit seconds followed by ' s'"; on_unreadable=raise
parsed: 10 h 41 min
